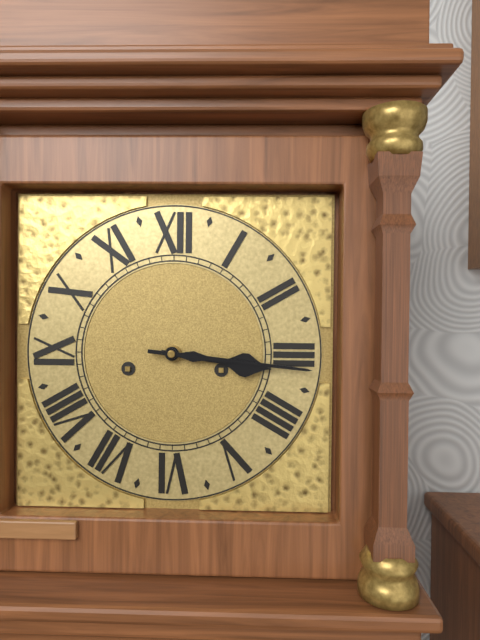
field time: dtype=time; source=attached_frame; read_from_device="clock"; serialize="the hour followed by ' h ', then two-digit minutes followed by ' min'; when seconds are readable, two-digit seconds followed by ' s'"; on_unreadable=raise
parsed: 3 h 16 min
